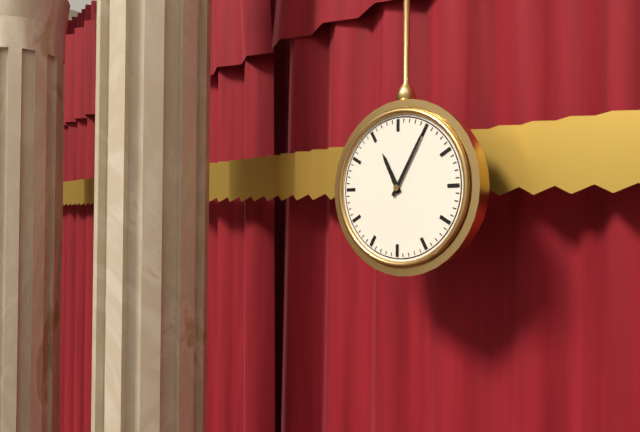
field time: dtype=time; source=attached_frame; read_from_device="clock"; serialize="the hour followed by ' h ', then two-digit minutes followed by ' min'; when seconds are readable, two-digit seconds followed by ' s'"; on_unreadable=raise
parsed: 11 h 05 min
